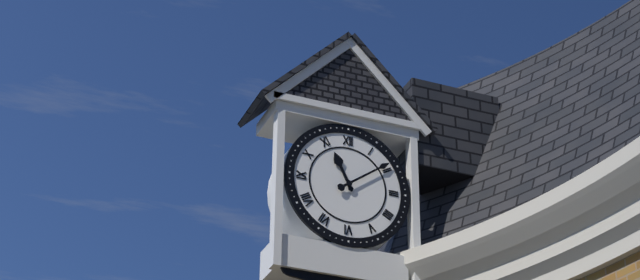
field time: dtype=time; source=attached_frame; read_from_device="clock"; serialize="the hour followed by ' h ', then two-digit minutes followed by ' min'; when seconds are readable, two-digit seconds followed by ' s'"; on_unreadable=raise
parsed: 11 h 09 min
